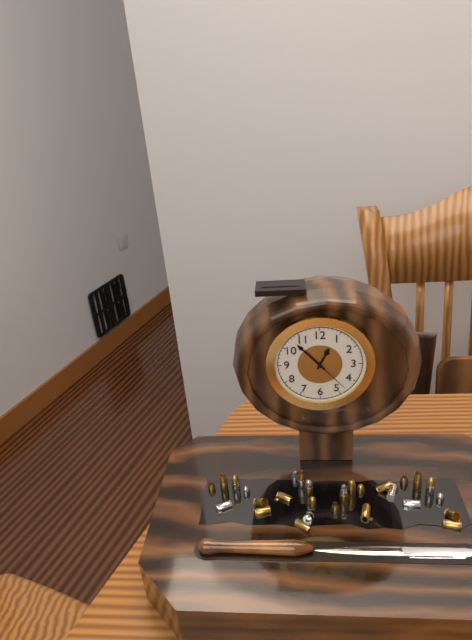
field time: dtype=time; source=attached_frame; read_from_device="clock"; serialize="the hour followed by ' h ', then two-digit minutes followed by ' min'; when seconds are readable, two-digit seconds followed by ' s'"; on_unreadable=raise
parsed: 12 h 53 min
